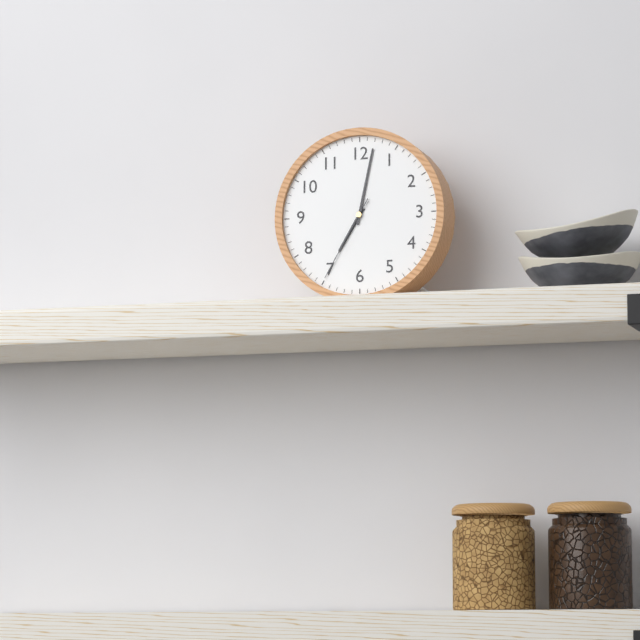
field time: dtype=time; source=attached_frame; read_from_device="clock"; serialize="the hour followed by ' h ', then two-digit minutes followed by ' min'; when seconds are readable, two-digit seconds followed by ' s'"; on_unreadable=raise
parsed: 7 h 02 min 35 s
